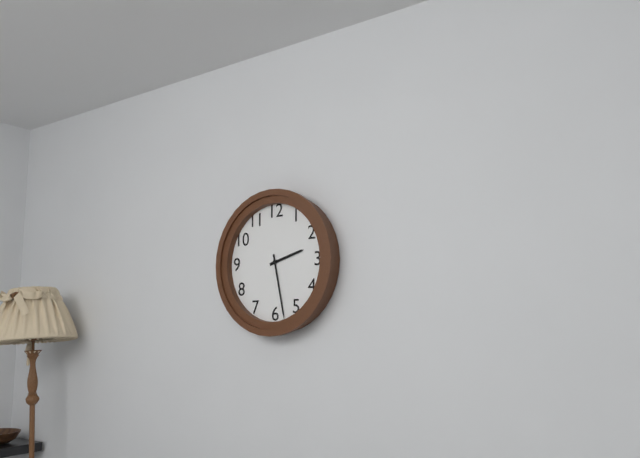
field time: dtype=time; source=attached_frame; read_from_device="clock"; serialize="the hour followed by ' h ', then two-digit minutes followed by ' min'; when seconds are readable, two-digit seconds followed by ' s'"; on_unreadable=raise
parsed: 2 h 28 min
